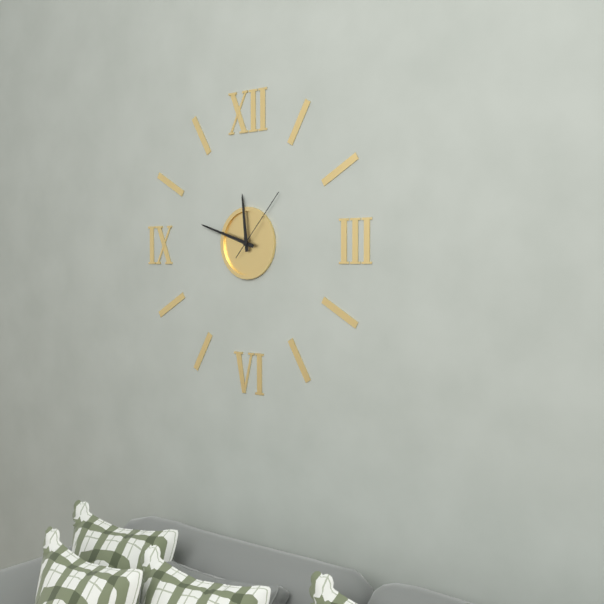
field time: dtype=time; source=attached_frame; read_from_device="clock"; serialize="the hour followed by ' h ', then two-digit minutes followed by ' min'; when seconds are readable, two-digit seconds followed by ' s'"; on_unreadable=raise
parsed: 11 h 48 min 07 s
